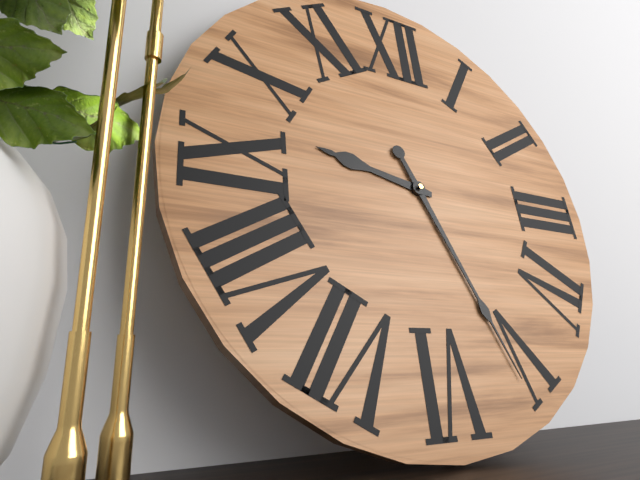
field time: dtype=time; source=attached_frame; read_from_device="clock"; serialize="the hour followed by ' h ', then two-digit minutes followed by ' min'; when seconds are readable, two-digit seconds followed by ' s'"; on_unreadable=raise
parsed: 9 h 26 min
